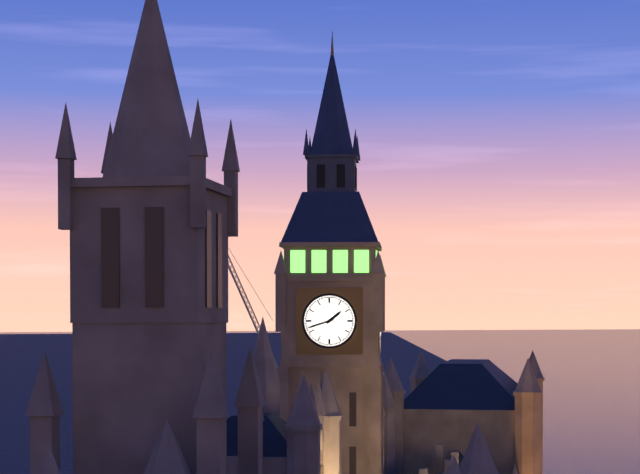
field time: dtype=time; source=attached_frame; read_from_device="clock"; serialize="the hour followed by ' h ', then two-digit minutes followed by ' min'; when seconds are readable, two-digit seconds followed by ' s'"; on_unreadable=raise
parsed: 1 h 42 min
